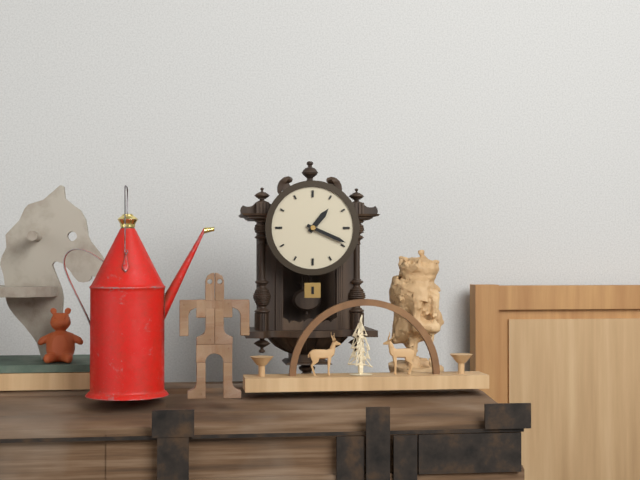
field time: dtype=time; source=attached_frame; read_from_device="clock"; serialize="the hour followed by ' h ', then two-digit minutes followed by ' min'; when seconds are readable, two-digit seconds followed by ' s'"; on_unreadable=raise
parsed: 1 h 19 min
